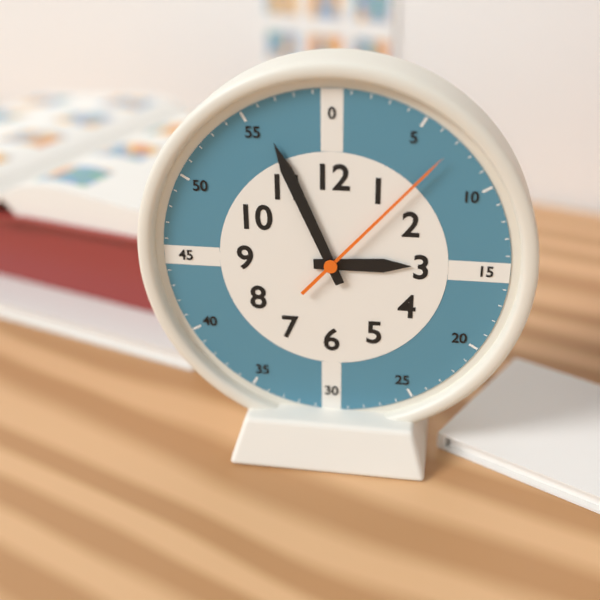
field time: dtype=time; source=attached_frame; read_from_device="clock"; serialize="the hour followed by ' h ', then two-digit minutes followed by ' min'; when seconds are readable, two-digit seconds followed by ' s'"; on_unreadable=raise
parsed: 2 h 56 min 07 s
